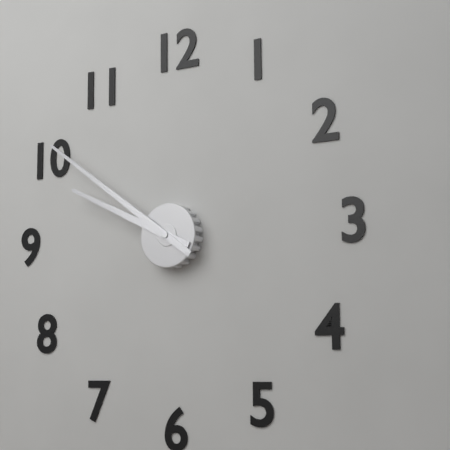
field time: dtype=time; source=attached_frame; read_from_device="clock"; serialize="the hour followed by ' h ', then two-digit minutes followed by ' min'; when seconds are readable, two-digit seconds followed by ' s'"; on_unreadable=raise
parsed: 9 h 51 min
